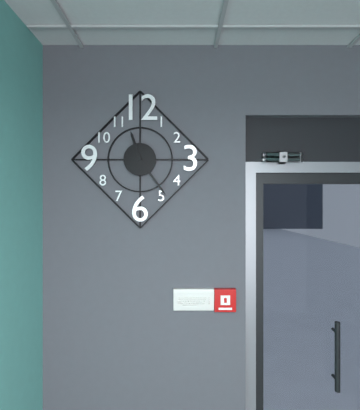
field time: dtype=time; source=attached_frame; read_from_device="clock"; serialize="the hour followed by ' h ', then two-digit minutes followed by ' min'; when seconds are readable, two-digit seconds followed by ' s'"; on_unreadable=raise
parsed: 11 h 24 min
